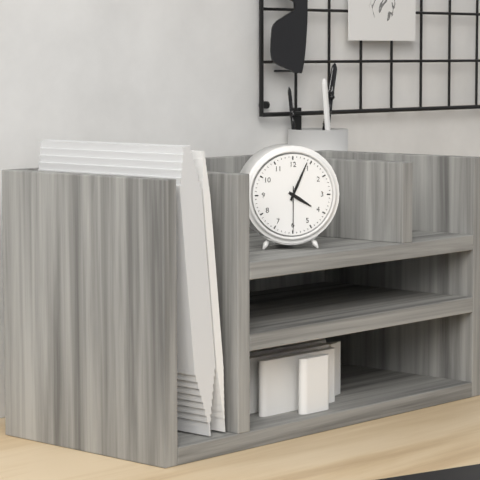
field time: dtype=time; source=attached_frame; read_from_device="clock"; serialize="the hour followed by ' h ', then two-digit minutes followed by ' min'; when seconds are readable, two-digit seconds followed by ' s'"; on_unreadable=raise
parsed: 4 h 04 min
